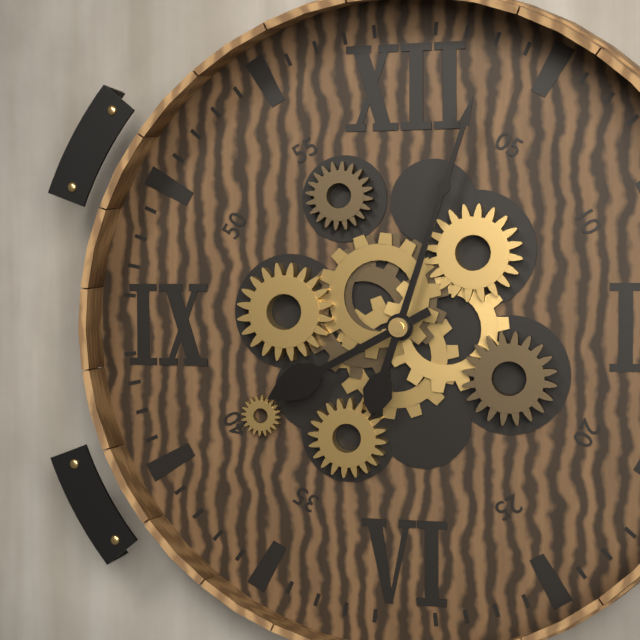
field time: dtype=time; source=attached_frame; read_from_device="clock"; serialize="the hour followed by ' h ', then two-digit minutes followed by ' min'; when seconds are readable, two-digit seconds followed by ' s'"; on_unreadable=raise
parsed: 8 h 03 min
